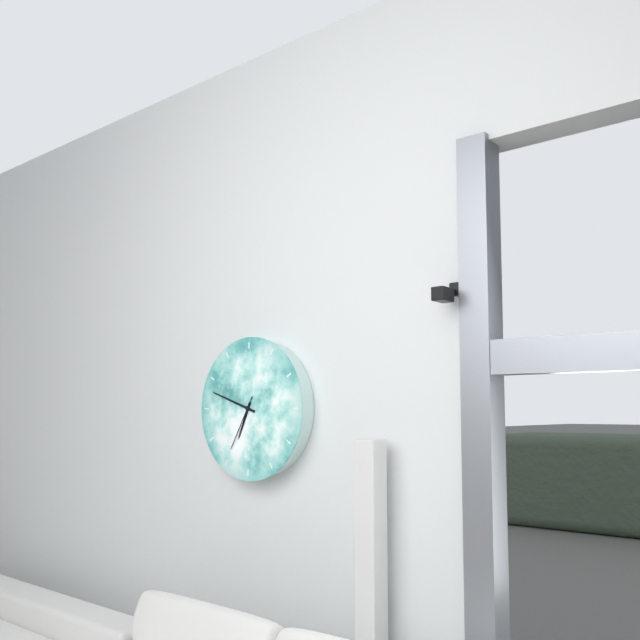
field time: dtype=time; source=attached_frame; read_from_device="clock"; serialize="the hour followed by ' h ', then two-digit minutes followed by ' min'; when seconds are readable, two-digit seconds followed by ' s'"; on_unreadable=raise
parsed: 6 h 48 min 35 s
